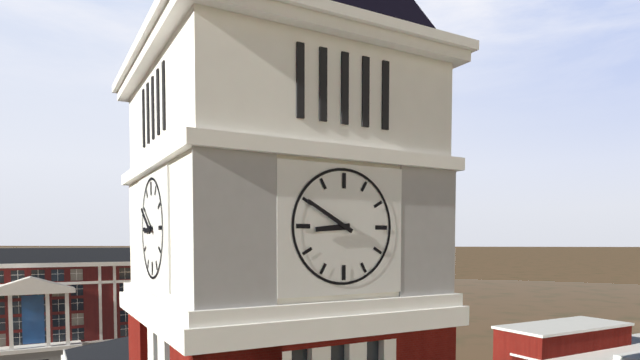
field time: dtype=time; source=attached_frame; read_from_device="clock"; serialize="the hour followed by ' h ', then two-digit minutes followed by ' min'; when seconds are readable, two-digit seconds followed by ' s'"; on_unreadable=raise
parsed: 8 h 50 min
